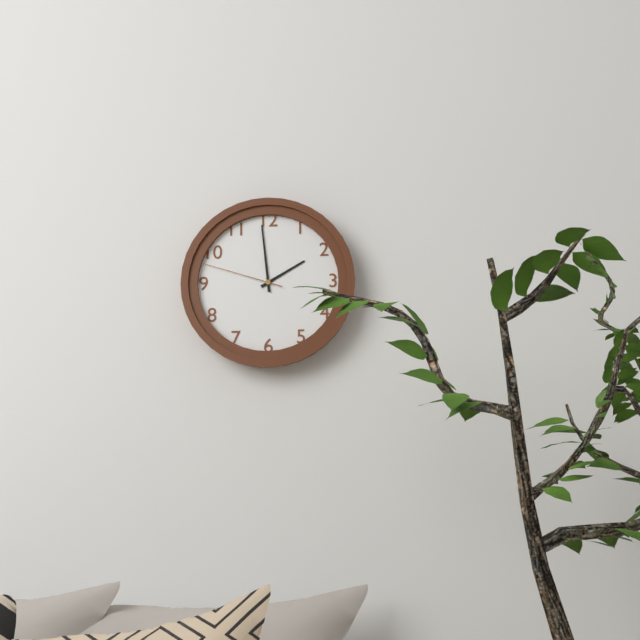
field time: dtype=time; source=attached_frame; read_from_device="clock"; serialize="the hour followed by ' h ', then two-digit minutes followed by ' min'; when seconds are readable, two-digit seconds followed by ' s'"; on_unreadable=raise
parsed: 1 h 59 min 48 s
